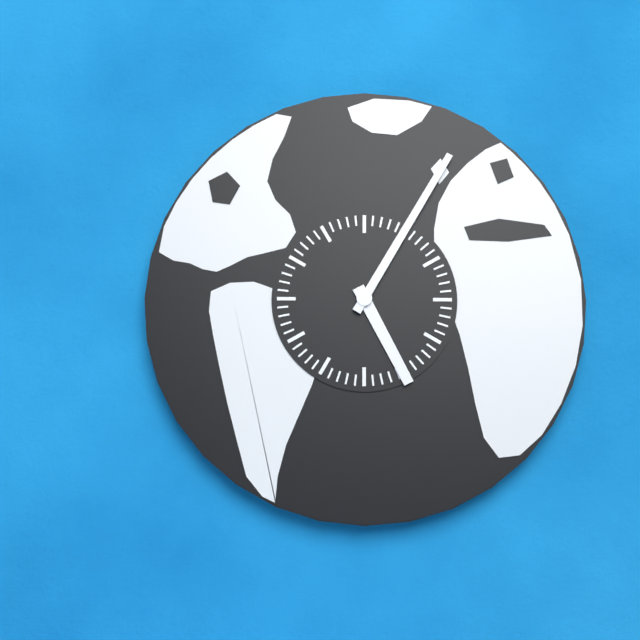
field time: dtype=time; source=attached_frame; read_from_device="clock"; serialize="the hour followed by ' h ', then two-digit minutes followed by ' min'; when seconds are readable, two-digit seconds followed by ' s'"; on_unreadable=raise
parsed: 5 h 05 min
